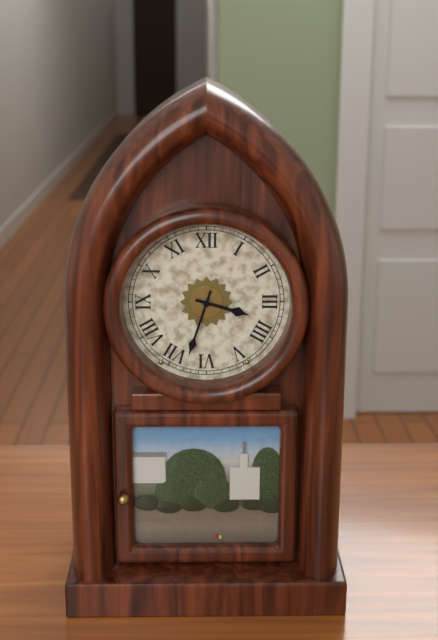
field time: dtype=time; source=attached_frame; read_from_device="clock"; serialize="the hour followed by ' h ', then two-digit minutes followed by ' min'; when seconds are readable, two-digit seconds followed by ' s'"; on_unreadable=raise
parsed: 3 h 33 min
